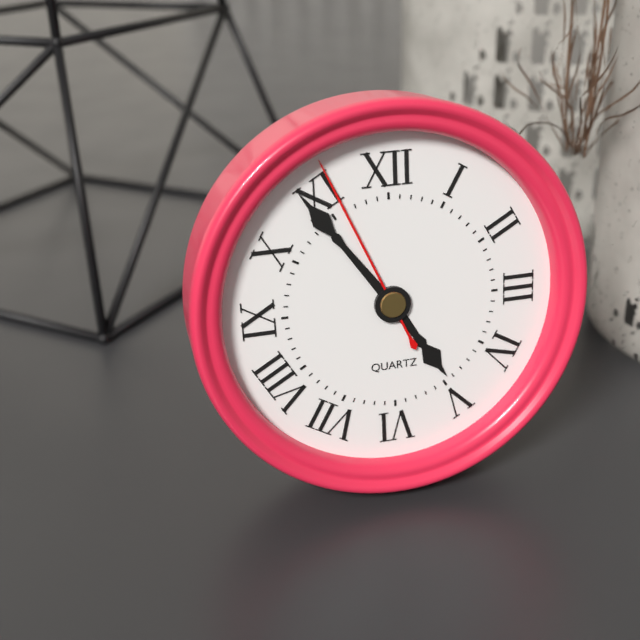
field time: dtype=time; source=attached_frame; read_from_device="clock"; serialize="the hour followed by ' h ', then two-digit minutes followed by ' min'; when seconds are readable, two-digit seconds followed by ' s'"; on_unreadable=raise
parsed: 4 h 54 min 56 s
